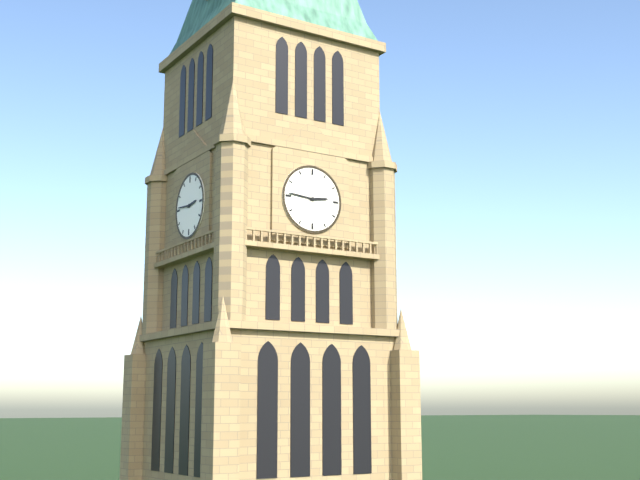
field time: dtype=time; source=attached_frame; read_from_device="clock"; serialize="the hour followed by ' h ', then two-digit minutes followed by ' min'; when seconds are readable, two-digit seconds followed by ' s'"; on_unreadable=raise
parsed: 2 h 46 min
